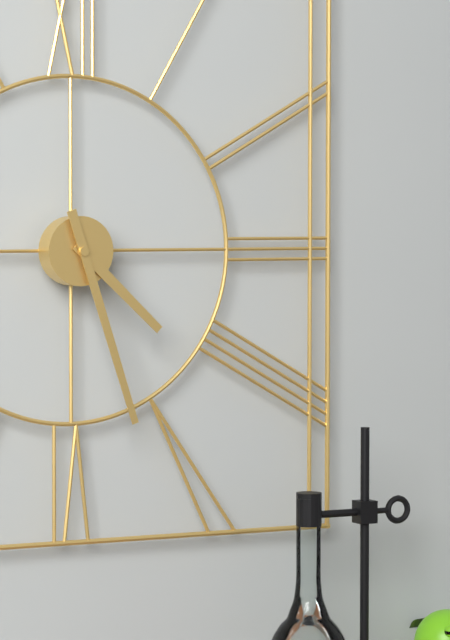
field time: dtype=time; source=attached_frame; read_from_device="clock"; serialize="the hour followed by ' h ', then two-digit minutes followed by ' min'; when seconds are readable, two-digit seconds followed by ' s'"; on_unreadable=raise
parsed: 4 h 27 min
